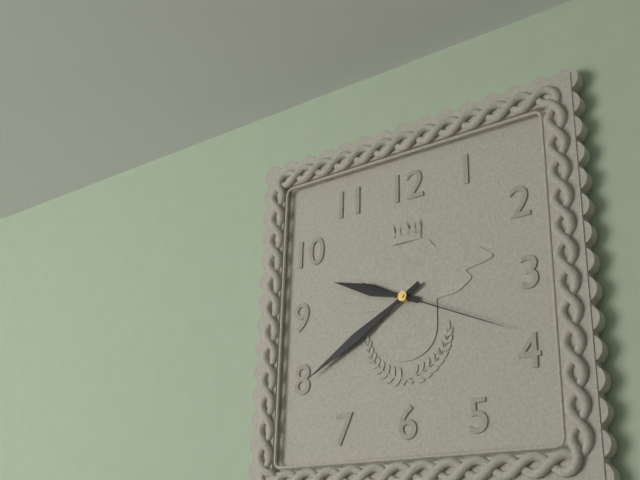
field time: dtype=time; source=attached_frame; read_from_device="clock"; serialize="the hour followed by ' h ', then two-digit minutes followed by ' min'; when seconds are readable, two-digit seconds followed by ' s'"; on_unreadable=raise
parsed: 9 h 40 min 19 s
